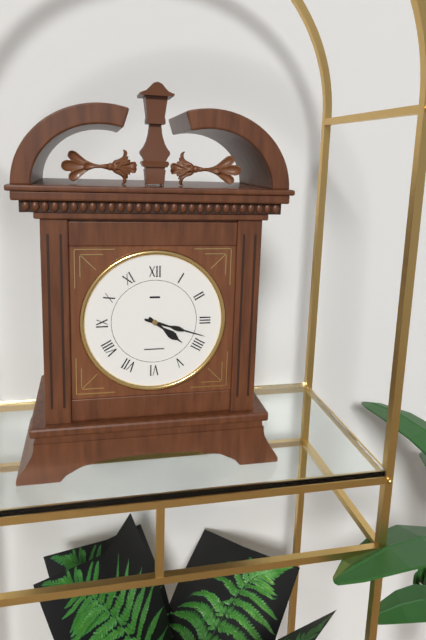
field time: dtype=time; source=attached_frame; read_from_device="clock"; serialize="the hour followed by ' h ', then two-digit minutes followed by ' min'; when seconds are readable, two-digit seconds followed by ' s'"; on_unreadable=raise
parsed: 4 h 18 min
